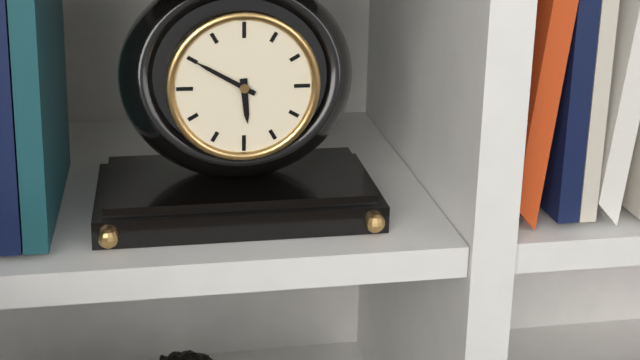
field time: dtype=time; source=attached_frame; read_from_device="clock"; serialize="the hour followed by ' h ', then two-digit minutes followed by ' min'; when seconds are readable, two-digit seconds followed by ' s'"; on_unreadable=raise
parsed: 5 h 50 min
